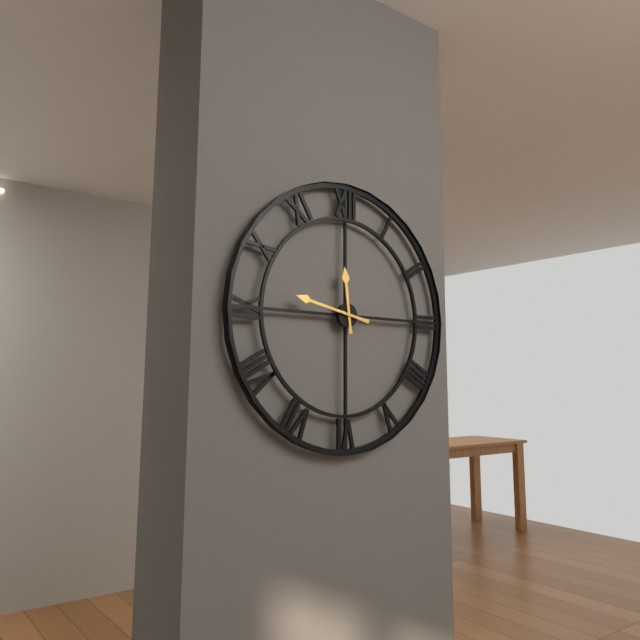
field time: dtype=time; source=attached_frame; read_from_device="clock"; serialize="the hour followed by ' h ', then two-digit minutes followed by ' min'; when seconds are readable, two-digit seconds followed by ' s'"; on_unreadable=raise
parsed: 11 h 47 min
